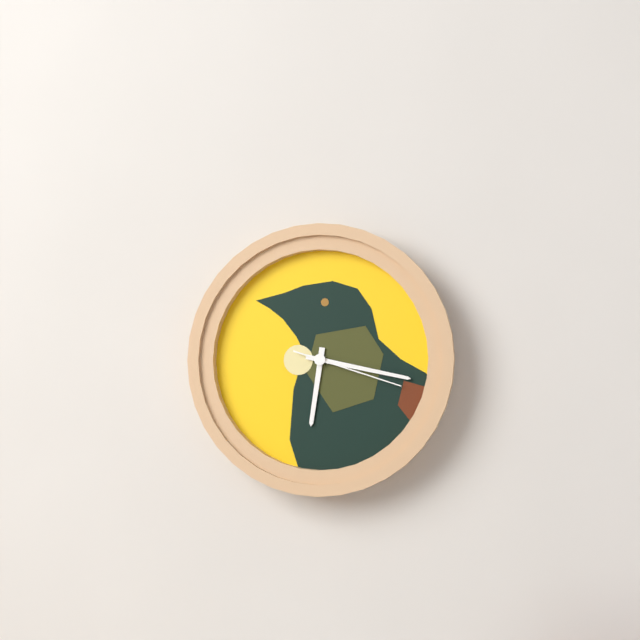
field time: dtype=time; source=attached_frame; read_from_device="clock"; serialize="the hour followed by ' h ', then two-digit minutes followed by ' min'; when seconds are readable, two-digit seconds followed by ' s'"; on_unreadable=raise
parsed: 6 h 17 min 18 s
